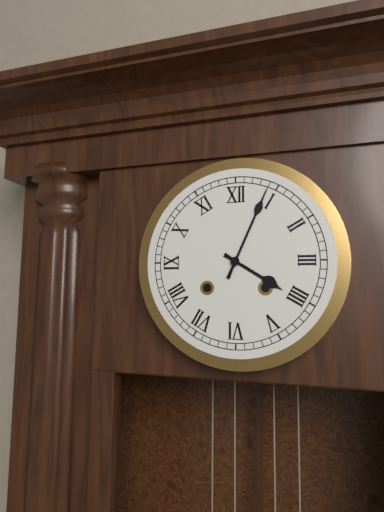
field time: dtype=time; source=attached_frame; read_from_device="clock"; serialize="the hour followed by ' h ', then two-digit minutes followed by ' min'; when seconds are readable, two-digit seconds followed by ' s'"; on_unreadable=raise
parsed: 4 h 04 min
